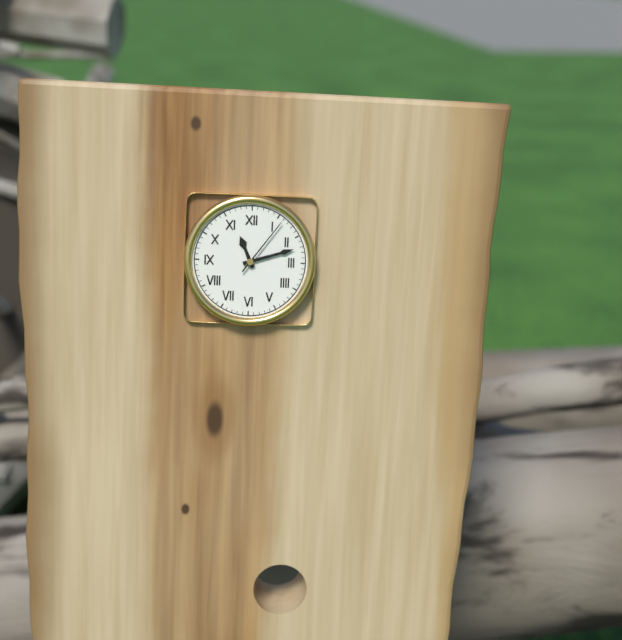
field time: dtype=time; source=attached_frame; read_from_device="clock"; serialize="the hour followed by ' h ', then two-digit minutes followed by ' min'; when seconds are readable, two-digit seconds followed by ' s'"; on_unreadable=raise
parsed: 11 h 12 min 06 s
